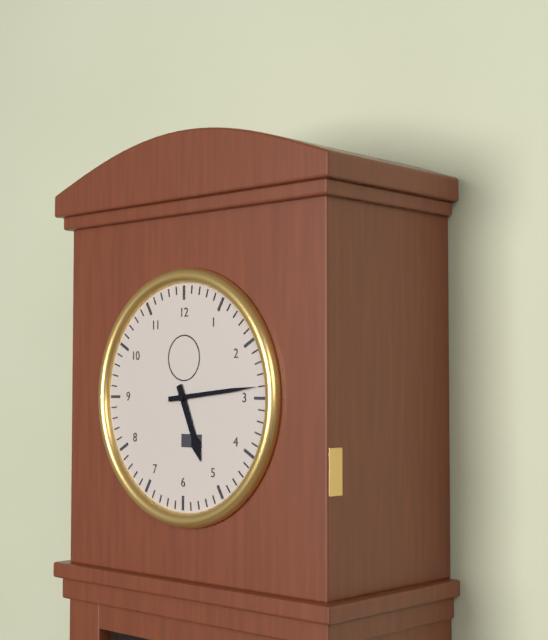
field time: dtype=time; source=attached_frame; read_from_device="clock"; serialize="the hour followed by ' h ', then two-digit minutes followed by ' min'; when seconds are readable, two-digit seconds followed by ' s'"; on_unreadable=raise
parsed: 5 h 14 min
